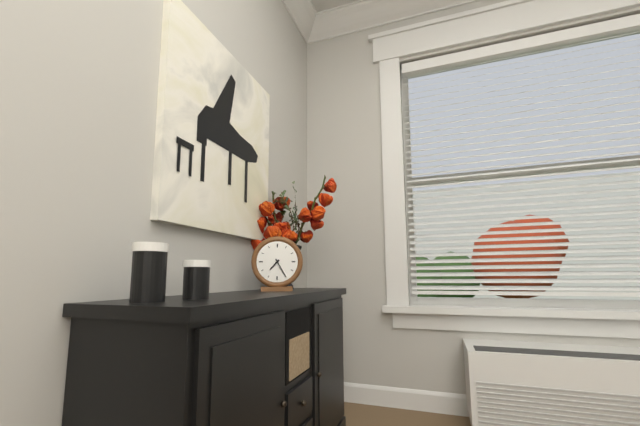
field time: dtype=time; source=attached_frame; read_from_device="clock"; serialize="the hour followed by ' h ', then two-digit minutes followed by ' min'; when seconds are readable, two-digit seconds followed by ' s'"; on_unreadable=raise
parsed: 7 h 25 min
